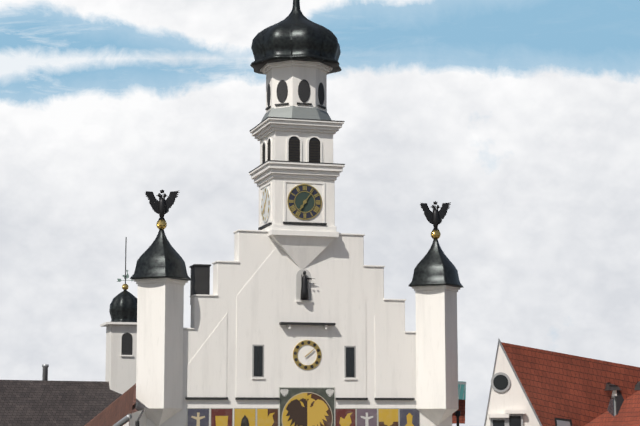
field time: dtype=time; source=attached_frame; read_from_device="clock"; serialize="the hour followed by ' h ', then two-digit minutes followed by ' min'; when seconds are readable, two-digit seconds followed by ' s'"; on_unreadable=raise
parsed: 7 h 06 min
